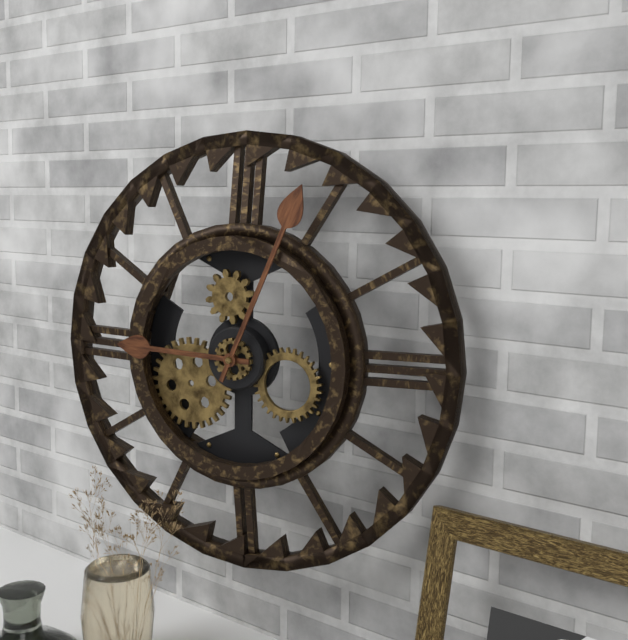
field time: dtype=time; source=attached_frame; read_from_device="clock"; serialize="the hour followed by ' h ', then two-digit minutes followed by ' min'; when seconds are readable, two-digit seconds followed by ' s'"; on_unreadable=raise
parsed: 9 h 04 min
